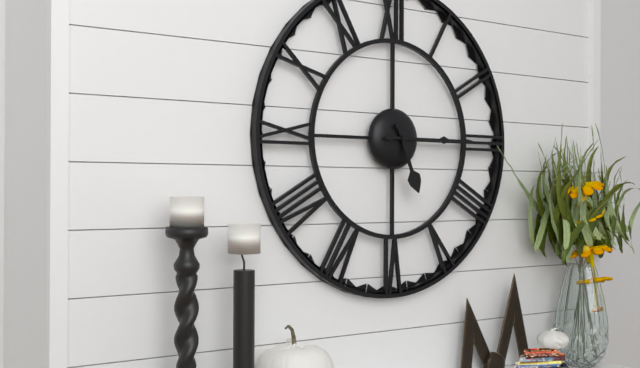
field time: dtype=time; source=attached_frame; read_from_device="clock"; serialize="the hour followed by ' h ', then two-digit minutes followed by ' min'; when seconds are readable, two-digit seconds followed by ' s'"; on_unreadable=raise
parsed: 5 h 15 min
